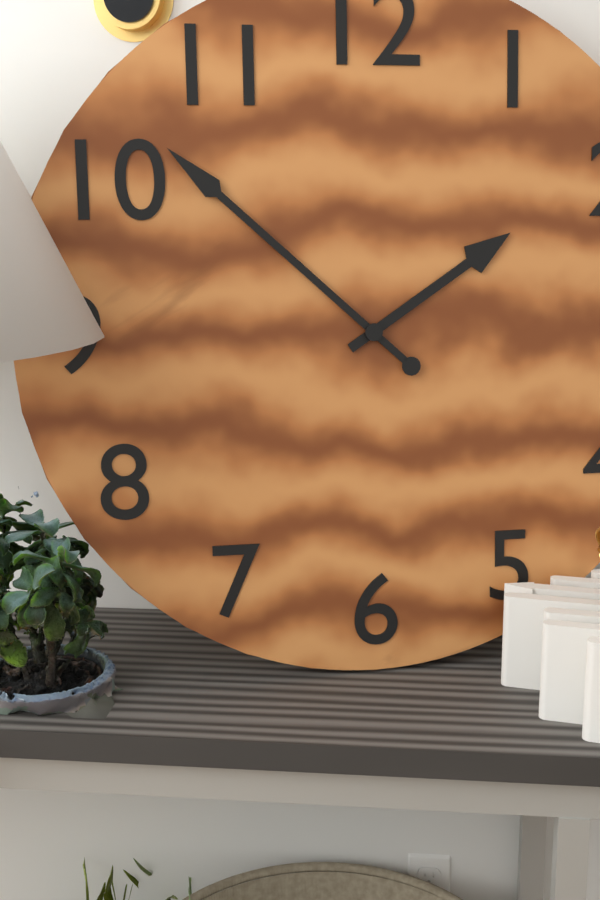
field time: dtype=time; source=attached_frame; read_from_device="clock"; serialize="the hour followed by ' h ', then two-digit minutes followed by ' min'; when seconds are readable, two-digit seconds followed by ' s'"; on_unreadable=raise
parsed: 1 h 52 min
